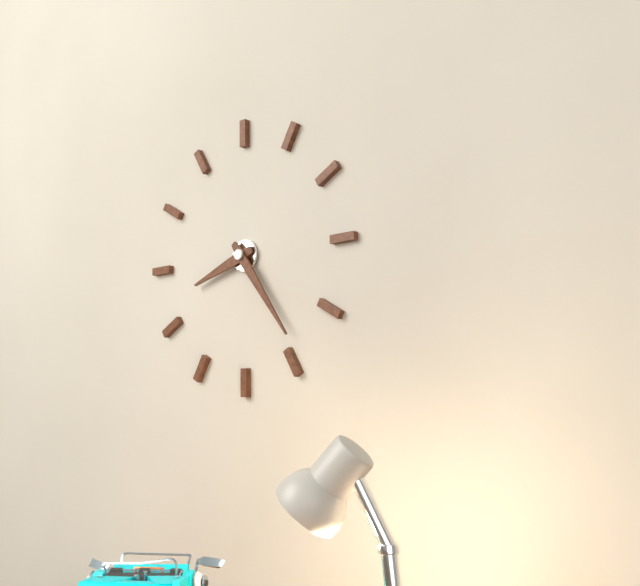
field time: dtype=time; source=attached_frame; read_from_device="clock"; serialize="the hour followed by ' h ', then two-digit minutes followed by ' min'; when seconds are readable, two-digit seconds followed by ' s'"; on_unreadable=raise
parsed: 8 h 24 min
